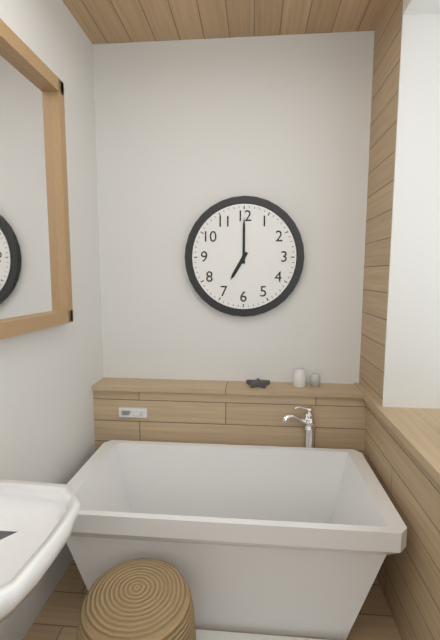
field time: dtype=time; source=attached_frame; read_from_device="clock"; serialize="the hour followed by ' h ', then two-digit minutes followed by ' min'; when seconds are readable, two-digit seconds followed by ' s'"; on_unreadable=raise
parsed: 7 h 00 min
